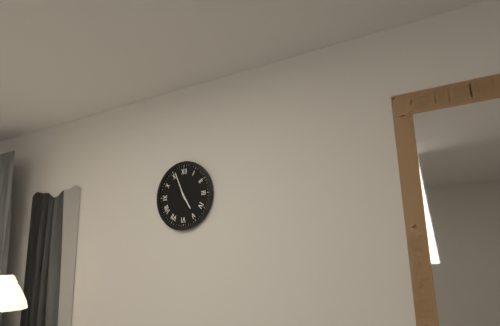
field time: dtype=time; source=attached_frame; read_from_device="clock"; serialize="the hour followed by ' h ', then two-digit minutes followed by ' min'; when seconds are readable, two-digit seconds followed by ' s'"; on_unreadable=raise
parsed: 4 h 56 min
